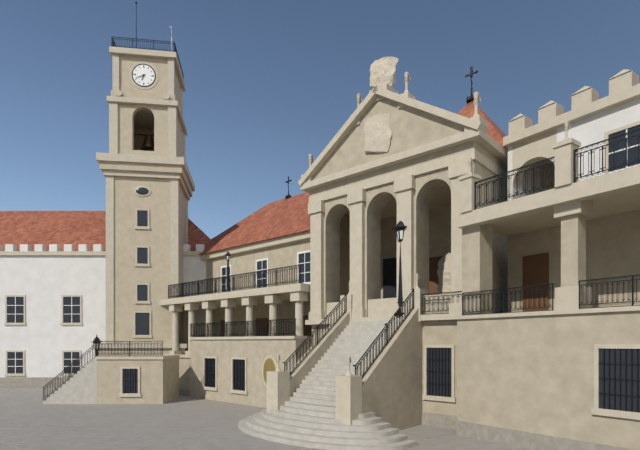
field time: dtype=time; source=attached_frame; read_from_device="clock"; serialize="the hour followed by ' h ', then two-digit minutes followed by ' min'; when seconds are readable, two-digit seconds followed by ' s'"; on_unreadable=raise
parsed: 6 h 41 min
